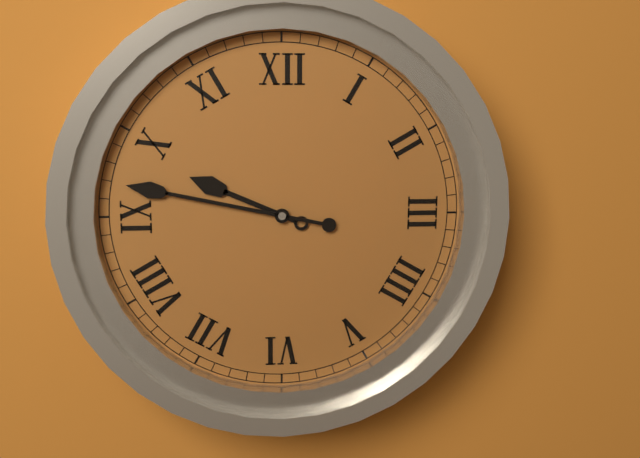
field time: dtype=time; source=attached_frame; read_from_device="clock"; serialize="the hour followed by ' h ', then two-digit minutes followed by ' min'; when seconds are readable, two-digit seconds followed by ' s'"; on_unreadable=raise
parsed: 9 h 47 min
